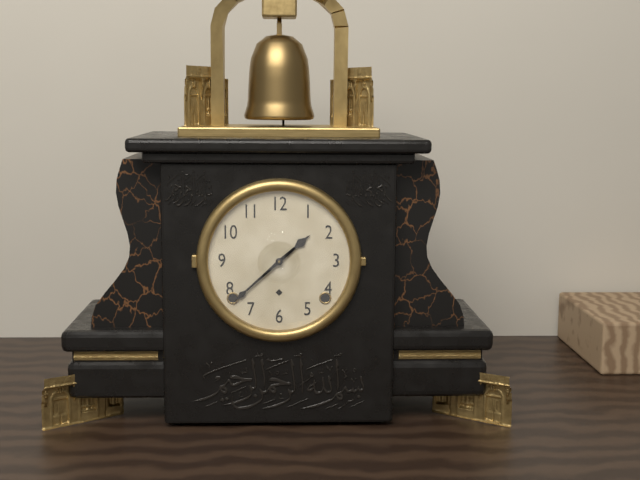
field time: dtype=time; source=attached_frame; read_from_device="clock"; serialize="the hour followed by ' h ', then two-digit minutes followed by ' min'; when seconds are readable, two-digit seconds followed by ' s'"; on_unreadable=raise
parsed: 1 h 38 min
